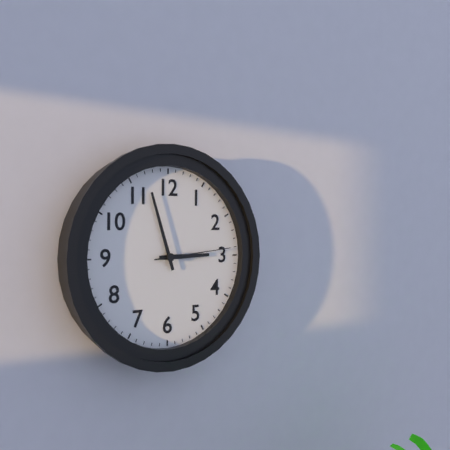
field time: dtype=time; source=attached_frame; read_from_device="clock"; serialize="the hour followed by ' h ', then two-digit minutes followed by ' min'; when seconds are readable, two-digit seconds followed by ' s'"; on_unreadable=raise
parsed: 2 h 57 min 14 s
